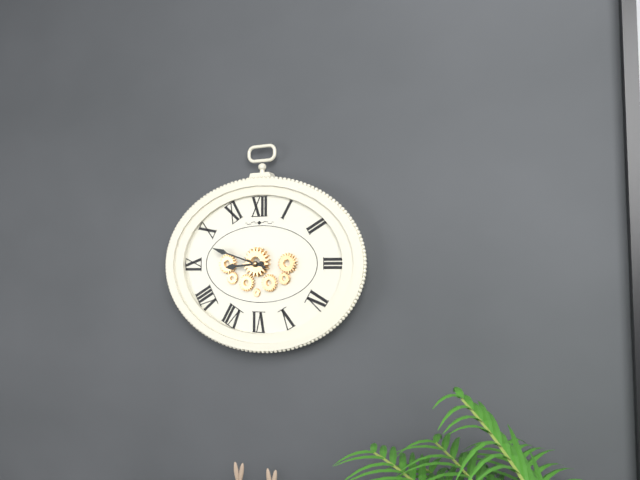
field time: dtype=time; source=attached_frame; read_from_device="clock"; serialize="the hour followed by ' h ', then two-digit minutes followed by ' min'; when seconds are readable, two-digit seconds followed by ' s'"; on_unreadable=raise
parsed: 8 h 48 min
